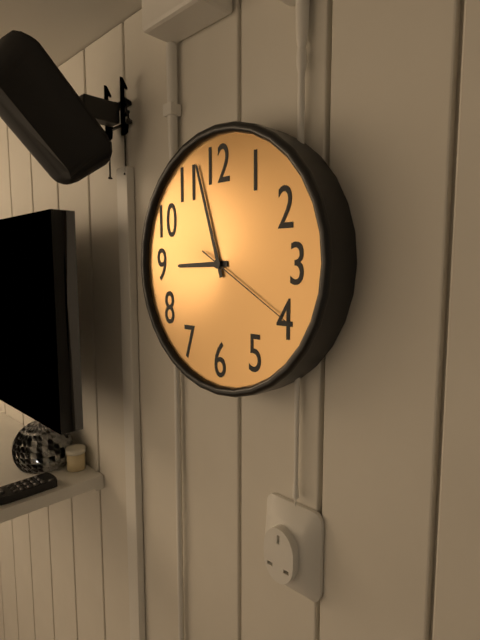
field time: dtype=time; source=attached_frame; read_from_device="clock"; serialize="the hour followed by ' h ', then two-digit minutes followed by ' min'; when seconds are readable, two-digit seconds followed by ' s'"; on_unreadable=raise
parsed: 8 h 57 min 20 s
